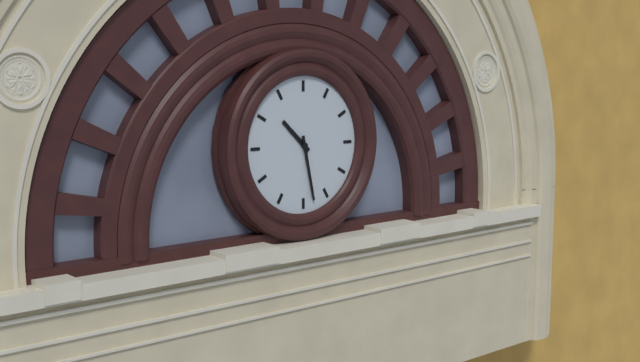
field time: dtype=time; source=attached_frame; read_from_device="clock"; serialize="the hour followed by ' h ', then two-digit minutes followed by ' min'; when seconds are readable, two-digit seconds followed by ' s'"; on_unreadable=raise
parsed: 10 h 28 min
